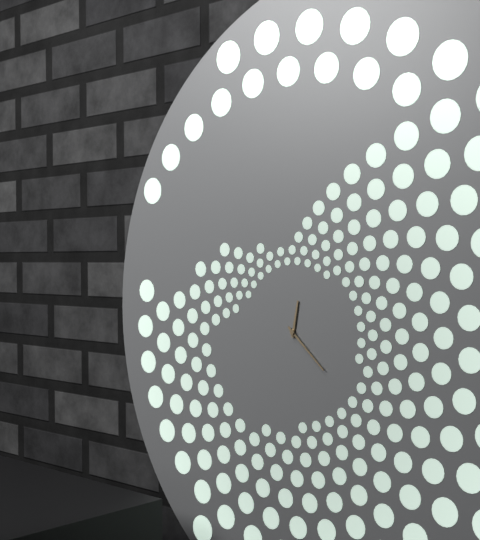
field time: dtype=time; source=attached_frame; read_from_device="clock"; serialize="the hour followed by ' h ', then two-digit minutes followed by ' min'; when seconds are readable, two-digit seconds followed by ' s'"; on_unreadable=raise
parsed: 12 h 22 min
